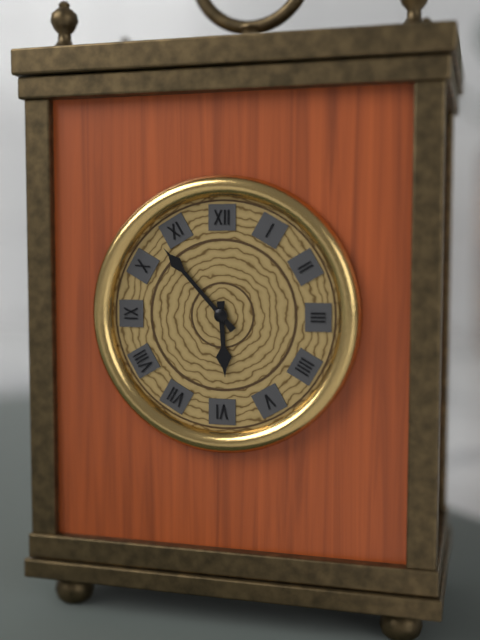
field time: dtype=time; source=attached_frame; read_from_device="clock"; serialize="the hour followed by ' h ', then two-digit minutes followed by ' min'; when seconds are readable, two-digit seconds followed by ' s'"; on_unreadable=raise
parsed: 5 h 53 min
